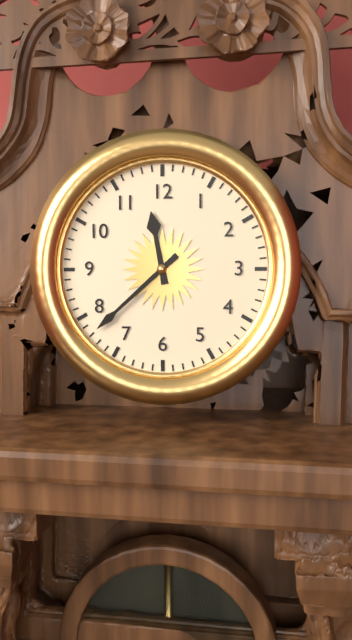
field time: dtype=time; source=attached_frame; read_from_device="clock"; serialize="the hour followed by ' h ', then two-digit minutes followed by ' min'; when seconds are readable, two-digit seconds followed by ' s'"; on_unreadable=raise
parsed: 11 h 38 min
